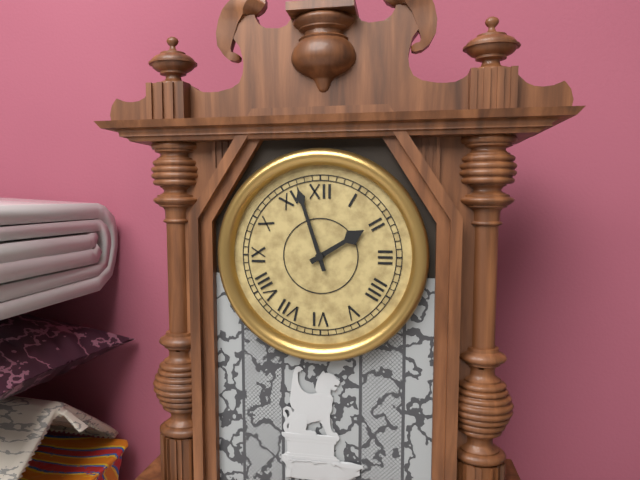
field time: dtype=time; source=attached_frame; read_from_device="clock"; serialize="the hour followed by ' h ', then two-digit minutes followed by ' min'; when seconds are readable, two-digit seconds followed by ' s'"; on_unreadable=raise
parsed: 1 h 57 min
